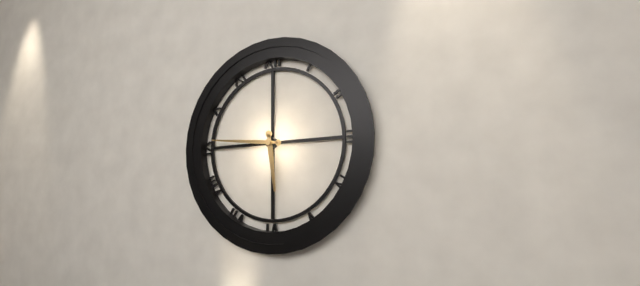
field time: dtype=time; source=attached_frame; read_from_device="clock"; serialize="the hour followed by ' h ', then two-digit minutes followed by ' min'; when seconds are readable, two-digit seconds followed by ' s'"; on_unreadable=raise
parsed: 5 h 46 min
